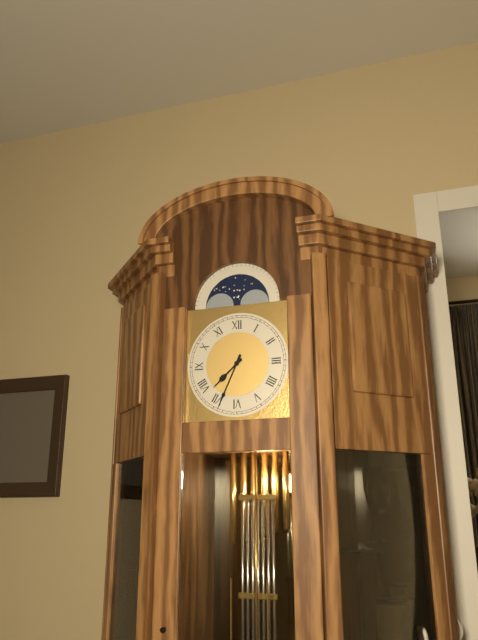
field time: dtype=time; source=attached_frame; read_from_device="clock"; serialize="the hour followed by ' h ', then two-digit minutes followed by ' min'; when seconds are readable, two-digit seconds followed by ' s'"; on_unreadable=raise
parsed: 7 h 34 min
